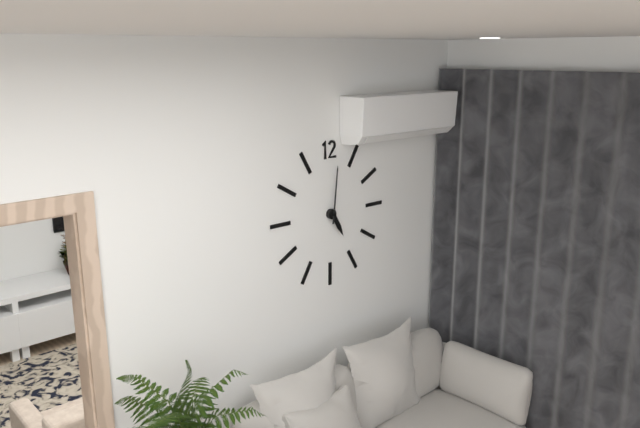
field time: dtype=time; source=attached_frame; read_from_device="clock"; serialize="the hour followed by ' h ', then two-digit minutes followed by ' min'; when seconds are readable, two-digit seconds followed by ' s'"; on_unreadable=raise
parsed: 5 h 01 min
